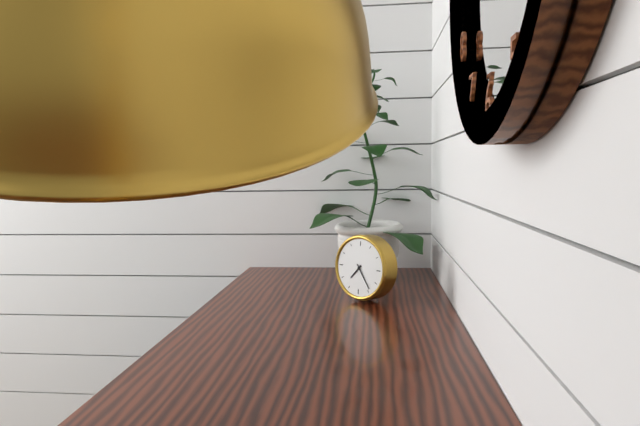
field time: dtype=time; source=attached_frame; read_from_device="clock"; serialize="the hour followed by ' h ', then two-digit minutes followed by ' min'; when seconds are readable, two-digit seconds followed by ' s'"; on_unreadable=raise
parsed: 7 h 24 min
